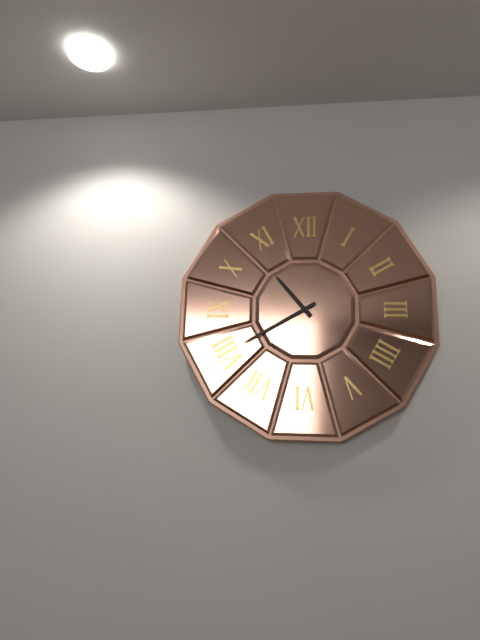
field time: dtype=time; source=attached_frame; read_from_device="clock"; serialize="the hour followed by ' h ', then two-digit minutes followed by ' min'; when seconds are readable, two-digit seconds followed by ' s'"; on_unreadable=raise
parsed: 10 h 40 min
